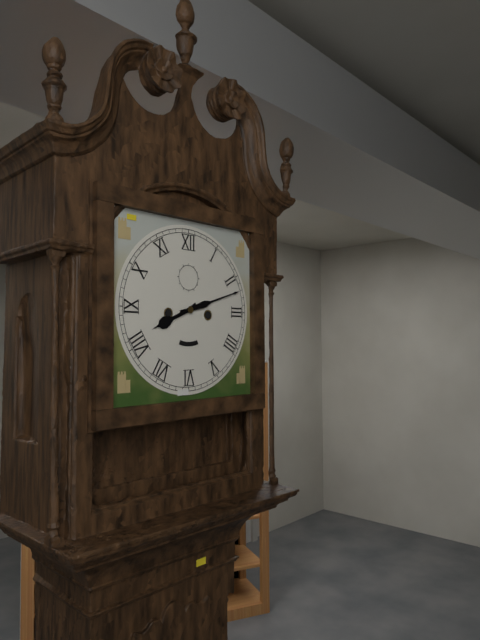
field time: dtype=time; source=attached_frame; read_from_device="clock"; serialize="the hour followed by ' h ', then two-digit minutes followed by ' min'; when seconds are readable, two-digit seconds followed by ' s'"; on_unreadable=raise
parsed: 8 h 12 min
